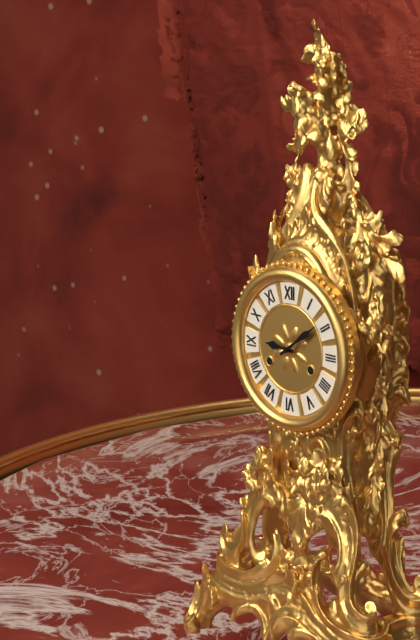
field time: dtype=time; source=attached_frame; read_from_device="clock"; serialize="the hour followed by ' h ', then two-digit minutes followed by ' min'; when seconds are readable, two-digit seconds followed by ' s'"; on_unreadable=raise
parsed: 9 h 09 min
